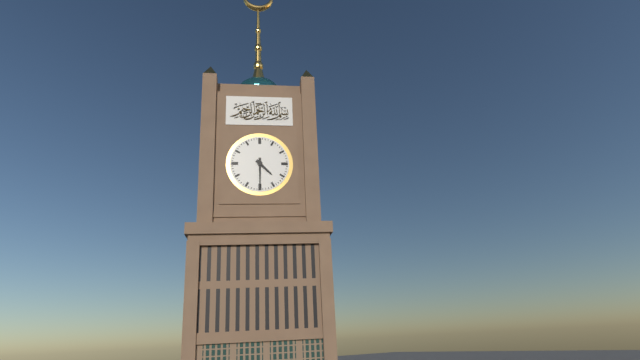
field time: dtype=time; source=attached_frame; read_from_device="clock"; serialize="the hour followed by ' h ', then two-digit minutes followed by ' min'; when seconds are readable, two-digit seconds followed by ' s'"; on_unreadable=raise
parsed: 4 h 30 min
